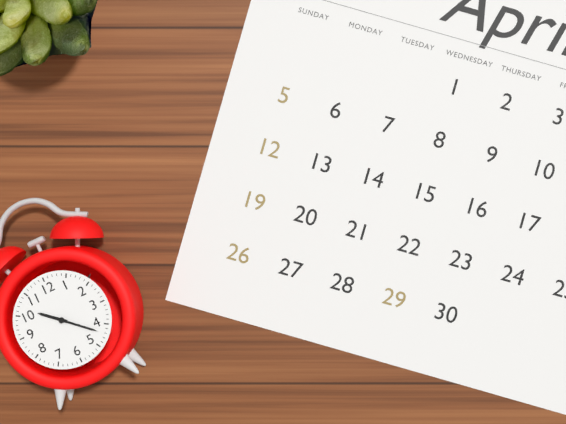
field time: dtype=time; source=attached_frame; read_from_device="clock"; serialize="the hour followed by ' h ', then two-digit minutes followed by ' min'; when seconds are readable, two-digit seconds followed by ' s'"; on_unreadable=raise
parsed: 10 h 22 min
